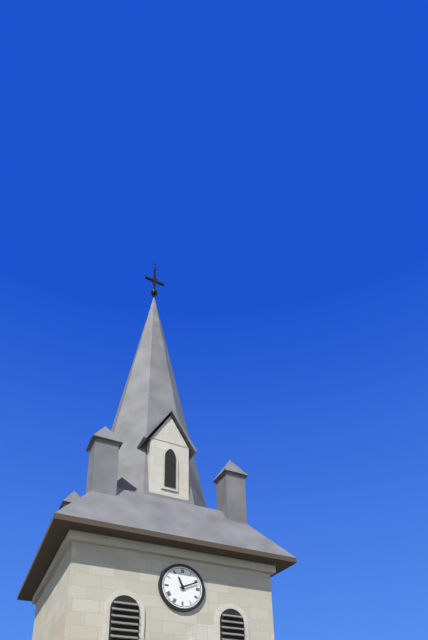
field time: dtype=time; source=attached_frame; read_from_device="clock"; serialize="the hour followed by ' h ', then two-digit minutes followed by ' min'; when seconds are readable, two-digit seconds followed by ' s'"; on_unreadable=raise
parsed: 11 h 11 min
